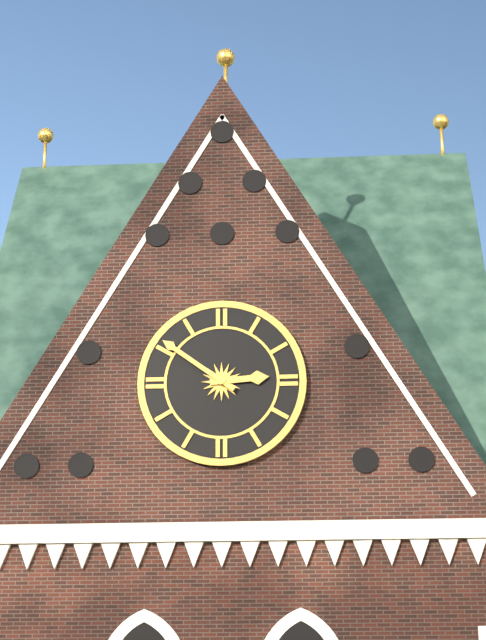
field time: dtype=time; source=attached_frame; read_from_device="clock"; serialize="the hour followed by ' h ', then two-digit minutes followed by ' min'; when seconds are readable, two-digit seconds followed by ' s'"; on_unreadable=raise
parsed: 2 h 51 min
